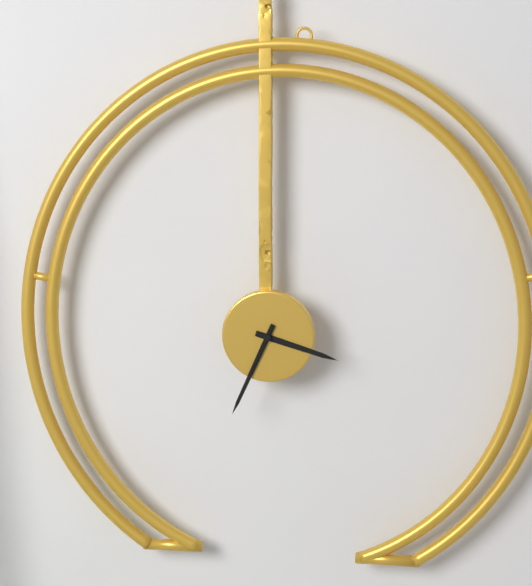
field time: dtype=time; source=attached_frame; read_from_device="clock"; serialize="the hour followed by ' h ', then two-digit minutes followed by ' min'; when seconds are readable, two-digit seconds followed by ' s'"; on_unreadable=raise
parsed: 3 h 34 min 34 s
